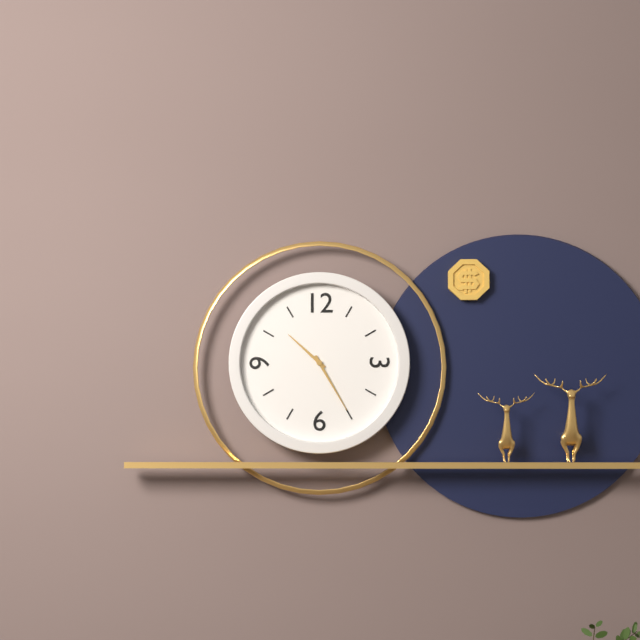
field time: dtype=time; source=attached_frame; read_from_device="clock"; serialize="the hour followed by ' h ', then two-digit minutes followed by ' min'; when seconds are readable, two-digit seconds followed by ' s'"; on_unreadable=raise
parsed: 10 h 25 min
